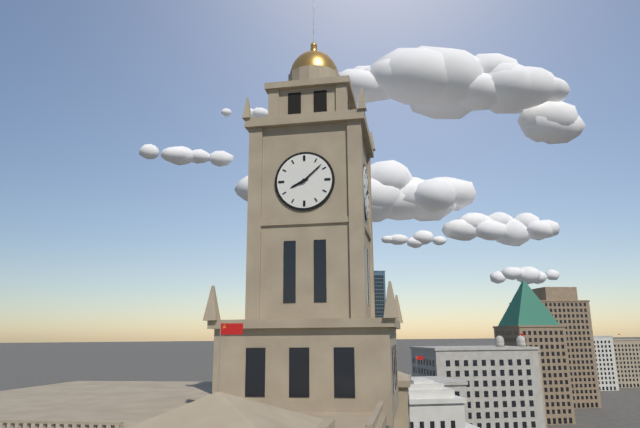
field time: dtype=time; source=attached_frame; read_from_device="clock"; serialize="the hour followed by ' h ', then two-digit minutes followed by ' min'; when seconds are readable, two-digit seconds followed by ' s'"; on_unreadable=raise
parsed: 8 h 08 min
